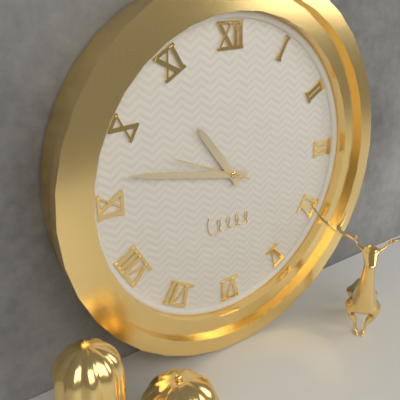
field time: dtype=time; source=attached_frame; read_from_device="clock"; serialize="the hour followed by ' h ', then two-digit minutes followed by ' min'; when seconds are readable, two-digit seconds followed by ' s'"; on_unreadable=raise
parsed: 10 h 47 min 49 s
